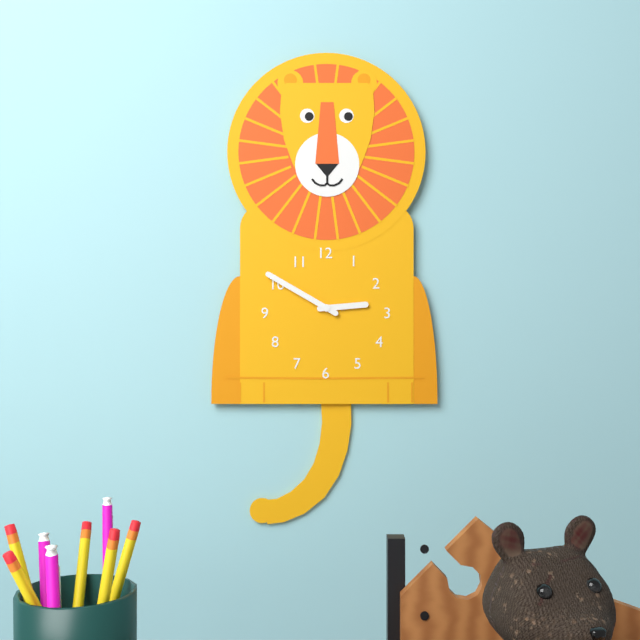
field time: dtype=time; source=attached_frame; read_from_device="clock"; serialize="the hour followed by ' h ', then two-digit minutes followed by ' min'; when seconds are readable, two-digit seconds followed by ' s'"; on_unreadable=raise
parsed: 2 h 50 min
